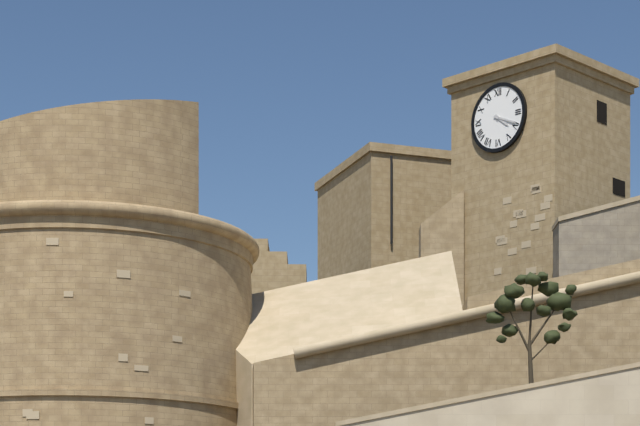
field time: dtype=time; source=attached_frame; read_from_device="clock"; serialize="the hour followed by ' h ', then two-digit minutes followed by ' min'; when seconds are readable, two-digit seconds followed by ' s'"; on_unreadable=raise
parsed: 4 h 19 min
